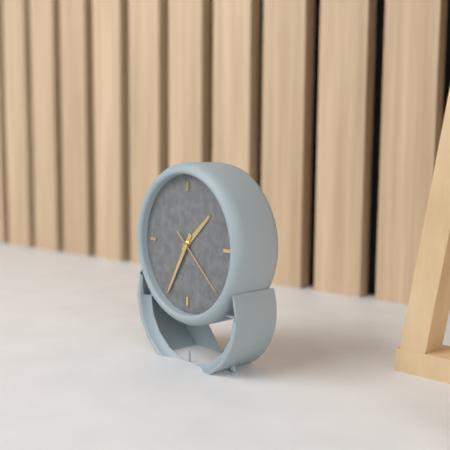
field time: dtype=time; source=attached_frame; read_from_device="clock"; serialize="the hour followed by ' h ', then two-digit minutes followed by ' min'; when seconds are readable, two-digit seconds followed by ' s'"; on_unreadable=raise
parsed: 1 h 35 min 22 s
